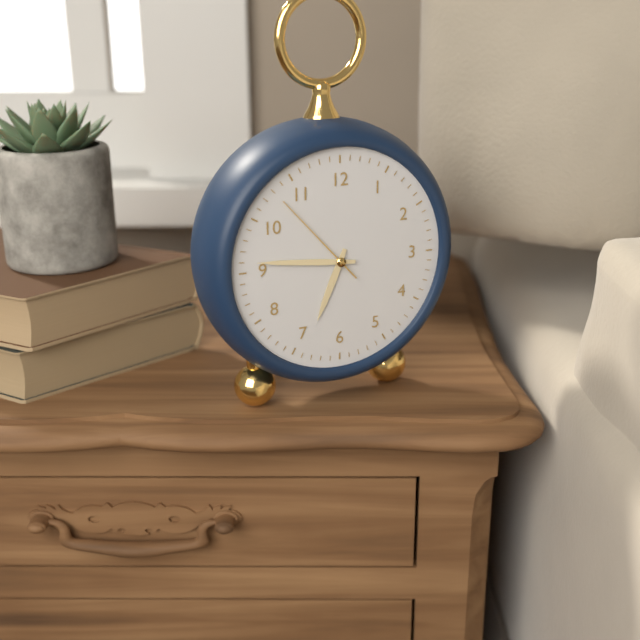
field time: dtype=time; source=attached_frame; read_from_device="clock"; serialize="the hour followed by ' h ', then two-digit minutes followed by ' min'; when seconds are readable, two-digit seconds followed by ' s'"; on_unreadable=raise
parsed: 6 h 46 min 53 s
